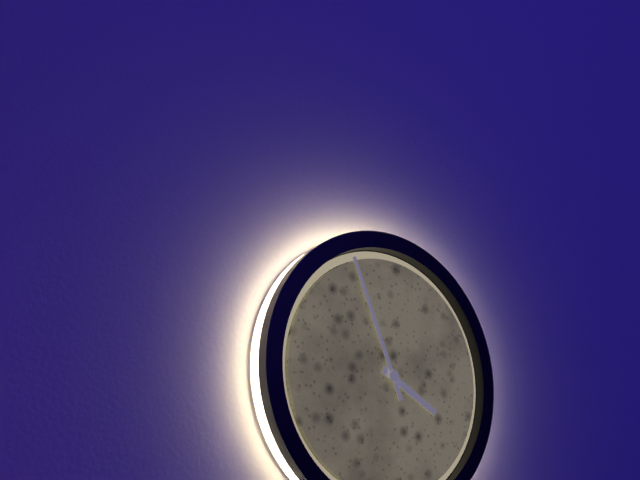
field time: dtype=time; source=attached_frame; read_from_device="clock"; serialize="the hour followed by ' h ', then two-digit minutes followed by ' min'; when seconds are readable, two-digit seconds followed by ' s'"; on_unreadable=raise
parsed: 3 h 56 min
